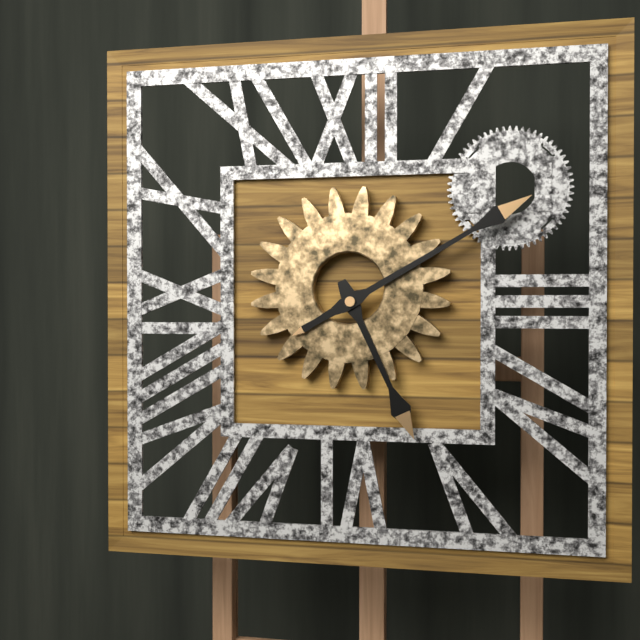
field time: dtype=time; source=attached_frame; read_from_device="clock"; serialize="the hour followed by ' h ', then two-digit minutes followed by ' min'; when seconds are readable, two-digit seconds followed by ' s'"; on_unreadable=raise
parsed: 5 h 10 min
